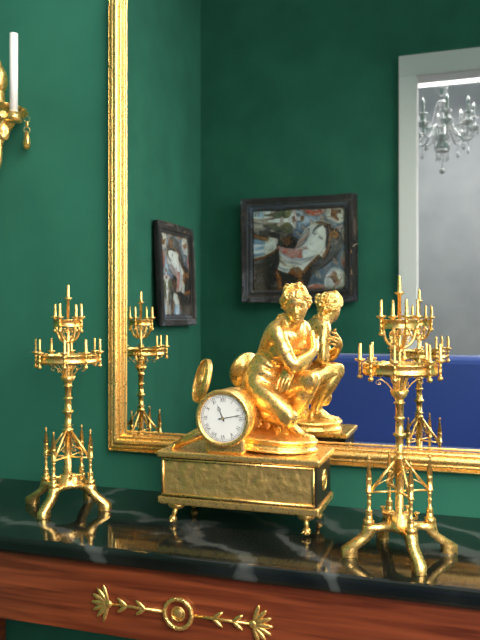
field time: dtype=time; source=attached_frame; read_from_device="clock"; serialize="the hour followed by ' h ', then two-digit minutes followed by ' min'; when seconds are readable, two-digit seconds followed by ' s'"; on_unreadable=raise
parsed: 11 h 13 min
